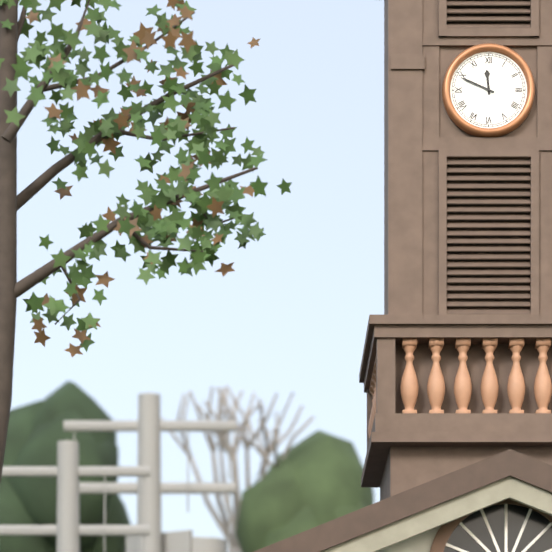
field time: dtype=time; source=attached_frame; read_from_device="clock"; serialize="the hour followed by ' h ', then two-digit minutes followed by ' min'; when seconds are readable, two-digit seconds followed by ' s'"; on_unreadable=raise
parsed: 11 h 49 min
